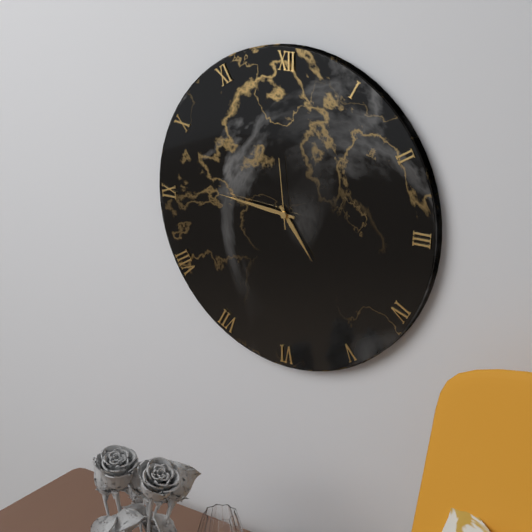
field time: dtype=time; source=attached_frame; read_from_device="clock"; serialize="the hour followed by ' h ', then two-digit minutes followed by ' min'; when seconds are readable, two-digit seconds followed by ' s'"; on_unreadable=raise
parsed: 4 h 46 min 59 s
